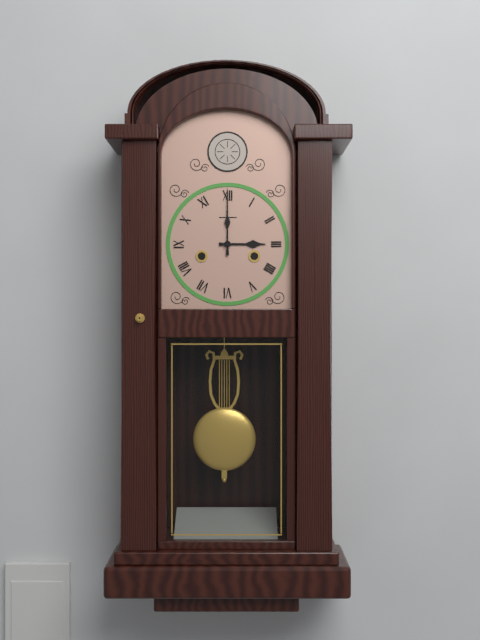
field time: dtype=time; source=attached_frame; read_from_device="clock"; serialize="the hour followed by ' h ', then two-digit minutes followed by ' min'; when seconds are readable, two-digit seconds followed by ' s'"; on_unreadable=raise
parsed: 3 h 00 min
